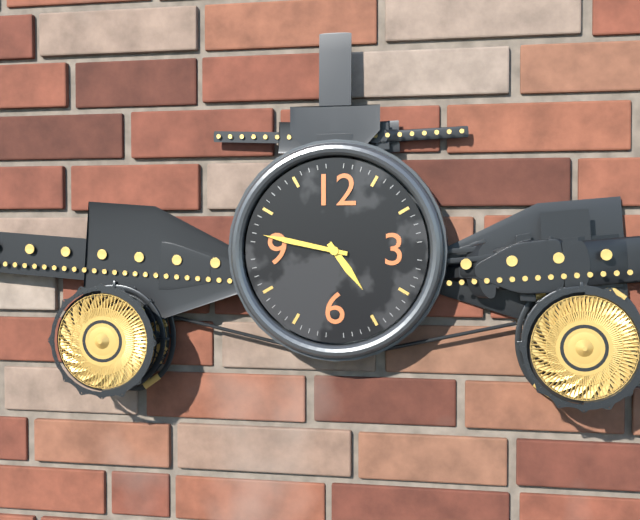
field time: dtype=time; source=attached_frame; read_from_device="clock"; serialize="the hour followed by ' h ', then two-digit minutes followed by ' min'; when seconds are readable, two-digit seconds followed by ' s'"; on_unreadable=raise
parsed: 4 h 47 min
